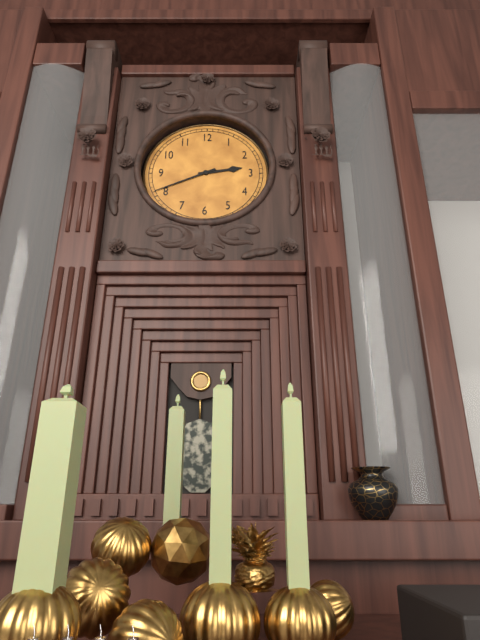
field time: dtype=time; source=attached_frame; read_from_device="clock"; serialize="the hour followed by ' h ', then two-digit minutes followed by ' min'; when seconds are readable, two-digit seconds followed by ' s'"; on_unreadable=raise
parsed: 2 h 41 min
